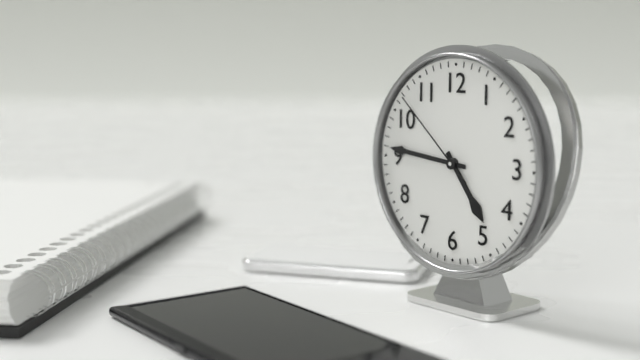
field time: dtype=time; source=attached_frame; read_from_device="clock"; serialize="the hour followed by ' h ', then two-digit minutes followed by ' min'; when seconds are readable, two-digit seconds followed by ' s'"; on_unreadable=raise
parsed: 4 h 46 min 52 s
